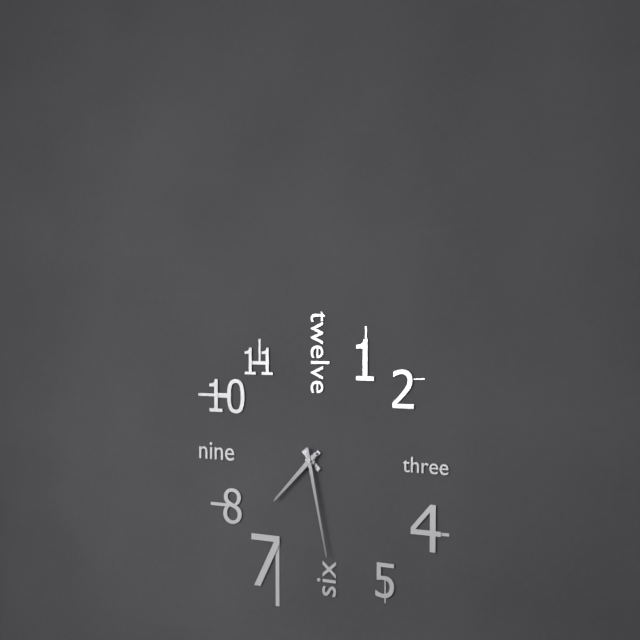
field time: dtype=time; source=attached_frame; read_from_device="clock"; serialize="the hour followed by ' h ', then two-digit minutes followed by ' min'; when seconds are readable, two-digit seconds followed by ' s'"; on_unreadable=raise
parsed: 7 h 28 min
